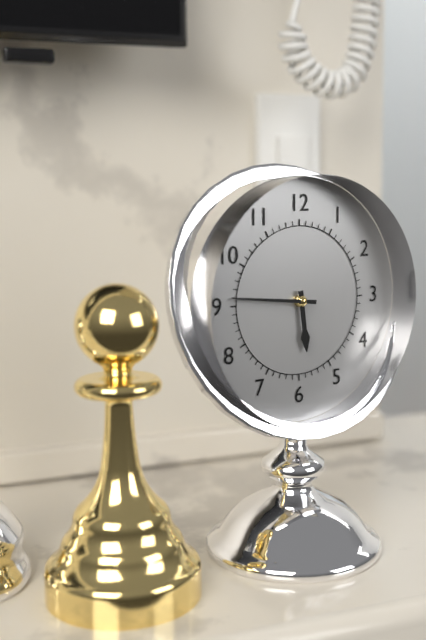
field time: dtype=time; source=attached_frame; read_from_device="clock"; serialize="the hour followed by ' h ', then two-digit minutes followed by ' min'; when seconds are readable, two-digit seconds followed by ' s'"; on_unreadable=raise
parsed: 5 h 46 min
